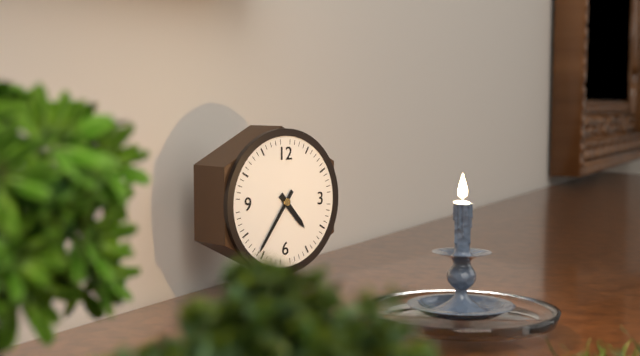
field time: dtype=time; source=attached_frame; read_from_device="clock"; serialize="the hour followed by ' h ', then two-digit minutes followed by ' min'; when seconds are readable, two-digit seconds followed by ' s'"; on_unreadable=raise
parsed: 4 h 36 min
